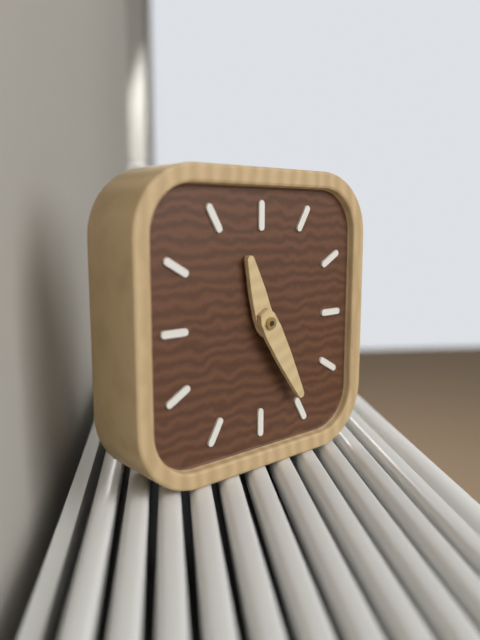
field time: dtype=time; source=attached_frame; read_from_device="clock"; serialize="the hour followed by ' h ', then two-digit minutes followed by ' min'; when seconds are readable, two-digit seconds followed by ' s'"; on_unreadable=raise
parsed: 11 h 25 min
